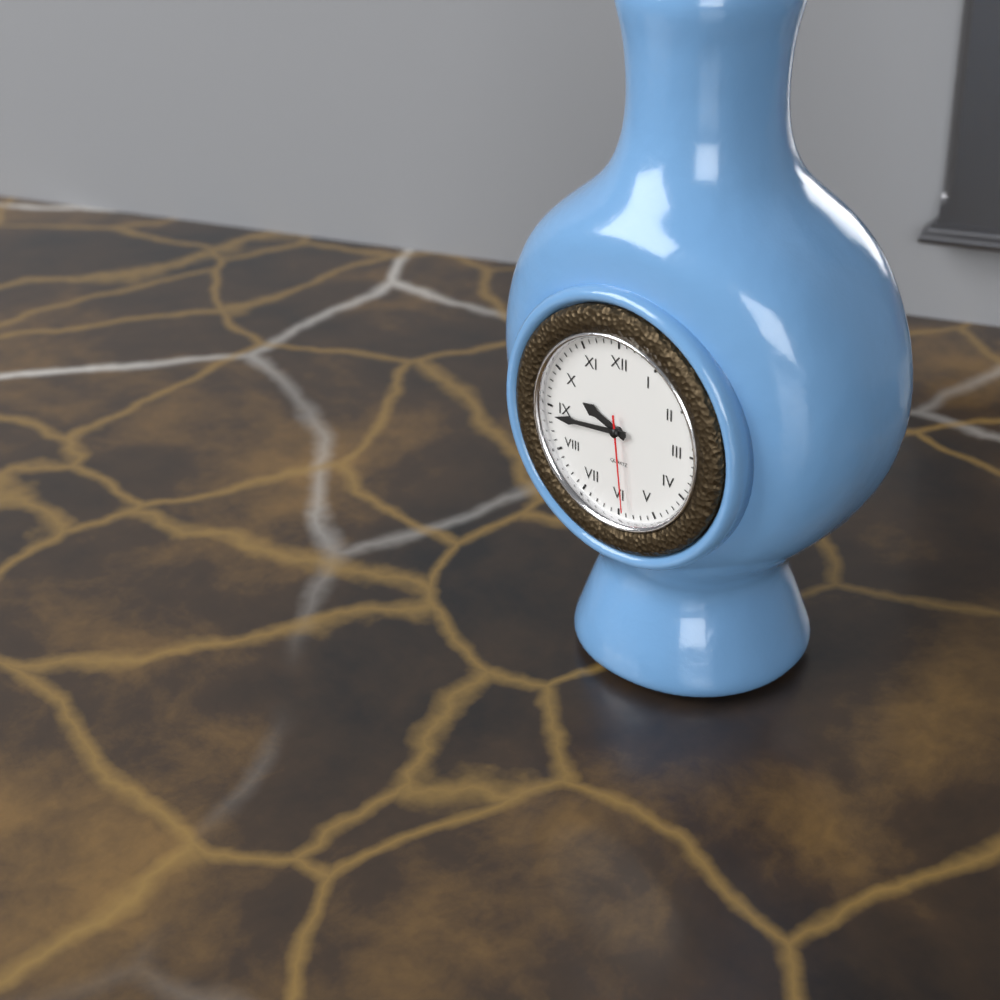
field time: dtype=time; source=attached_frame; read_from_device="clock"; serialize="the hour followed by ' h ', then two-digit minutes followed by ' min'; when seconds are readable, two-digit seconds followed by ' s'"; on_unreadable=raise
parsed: 9 h 44 min 29 s
